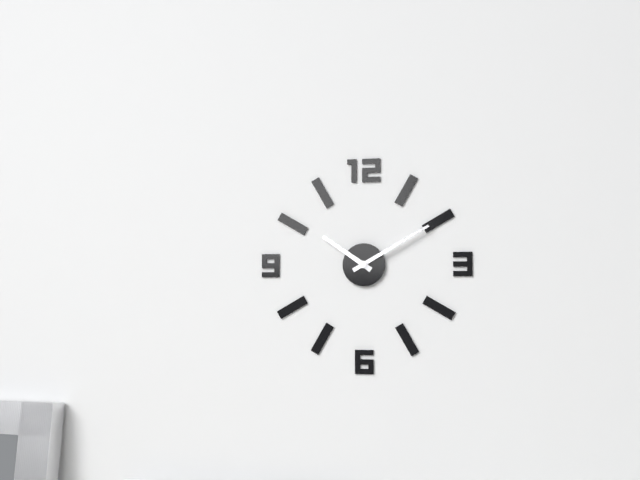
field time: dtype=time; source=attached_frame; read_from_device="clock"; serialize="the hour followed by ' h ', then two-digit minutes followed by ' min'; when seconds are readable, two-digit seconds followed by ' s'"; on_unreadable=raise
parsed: 10 h 10 min
